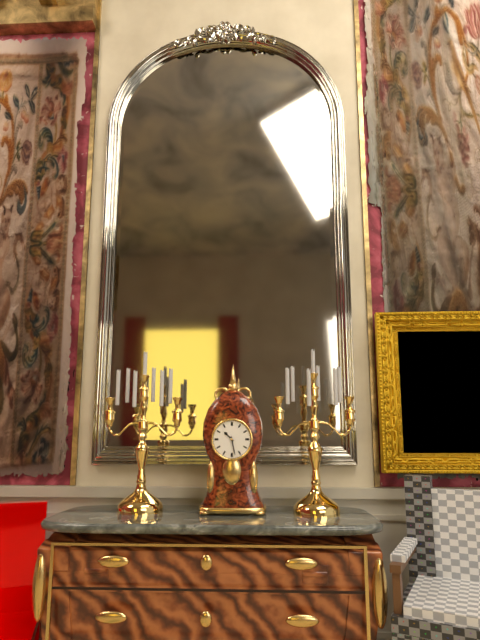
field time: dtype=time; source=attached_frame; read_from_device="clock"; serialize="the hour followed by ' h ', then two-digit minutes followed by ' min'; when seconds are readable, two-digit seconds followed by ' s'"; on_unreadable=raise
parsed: 10 h 28 min
